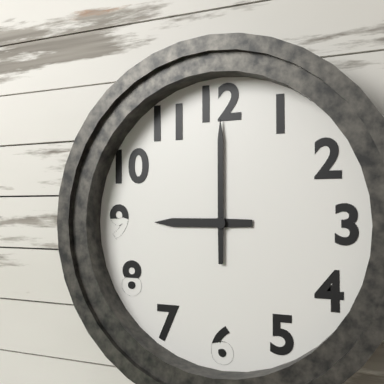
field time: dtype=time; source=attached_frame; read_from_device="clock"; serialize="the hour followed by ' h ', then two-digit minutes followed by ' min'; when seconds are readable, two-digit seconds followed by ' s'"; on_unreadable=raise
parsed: 9 h 00 min
